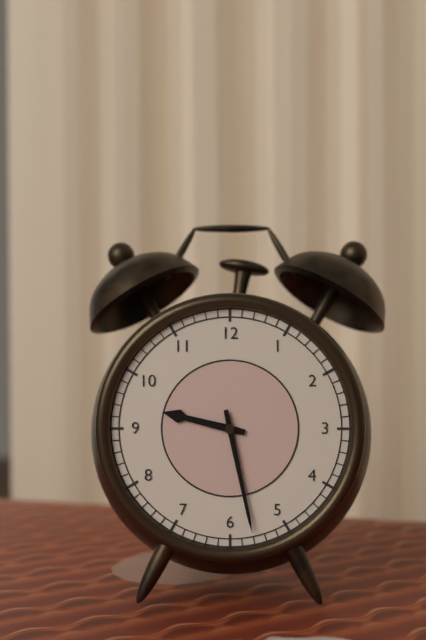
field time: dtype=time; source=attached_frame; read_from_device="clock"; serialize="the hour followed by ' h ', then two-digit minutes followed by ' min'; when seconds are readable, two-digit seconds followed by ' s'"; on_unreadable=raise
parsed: 9 h 28 min
